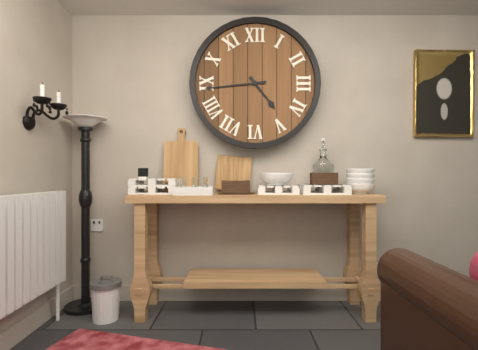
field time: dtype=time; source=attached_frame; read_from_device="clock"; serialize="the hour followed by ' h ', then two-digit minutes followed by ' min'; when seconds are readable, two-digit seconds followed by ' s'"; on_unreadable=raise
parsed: 4 h 44 min
